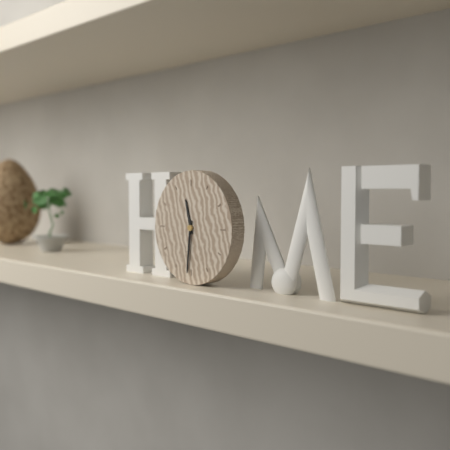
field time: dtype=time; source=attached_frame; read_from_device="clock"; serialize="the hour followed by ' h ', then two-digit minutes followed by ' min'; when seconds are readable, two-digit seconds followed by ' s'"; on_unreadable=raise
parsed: 11 h 31 min
